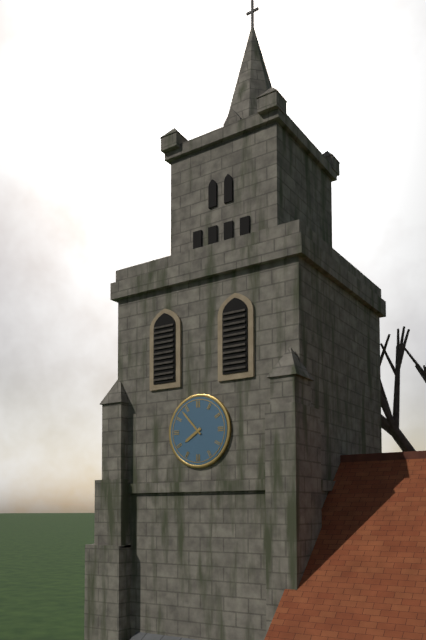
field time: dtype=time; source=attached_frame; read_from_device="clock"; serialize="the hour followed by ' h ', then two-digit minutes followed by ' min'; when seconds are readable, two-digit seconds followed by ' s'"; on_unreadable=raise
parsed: 7 h 53 min
